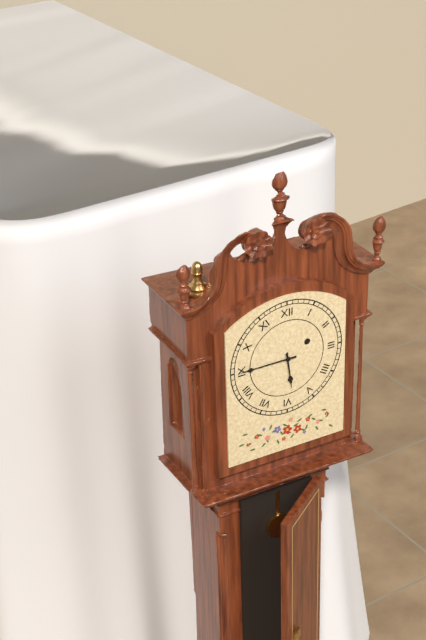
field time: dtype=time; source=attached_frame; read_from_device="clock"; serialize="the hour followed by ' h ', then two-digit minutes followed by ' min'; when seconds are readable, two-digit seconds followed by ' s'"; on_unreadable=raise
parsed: 5 h 45 min
